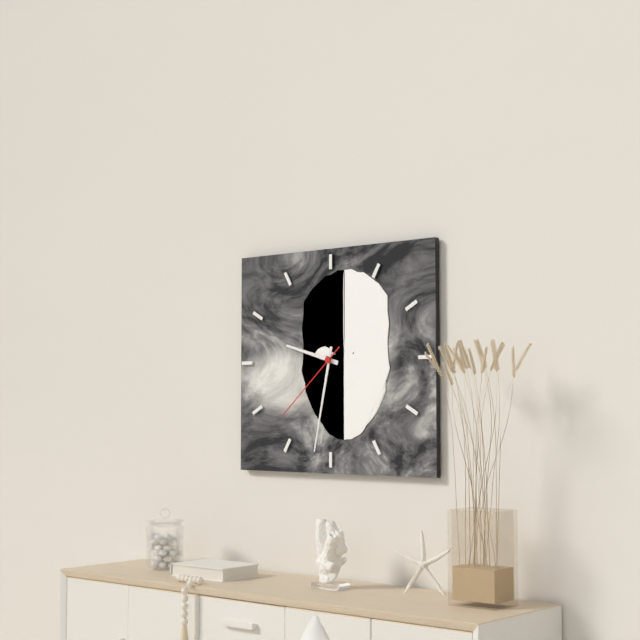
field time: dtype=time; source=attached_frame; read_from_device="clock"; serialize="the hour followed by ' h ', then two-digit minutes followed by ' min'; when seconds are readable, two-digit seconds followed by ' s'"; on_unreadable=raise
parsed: 9 h 32 min 38 s
